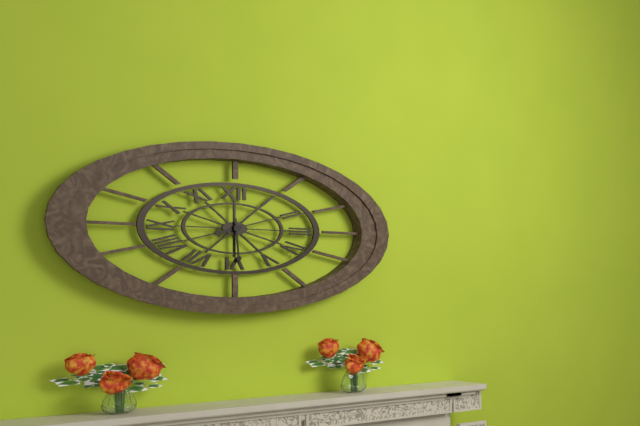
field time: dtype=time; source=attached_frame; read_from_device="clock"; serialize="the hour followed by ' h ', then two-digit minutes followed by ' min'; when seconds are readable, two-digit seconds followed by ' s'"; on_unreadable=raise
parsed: 8 h 29 min
